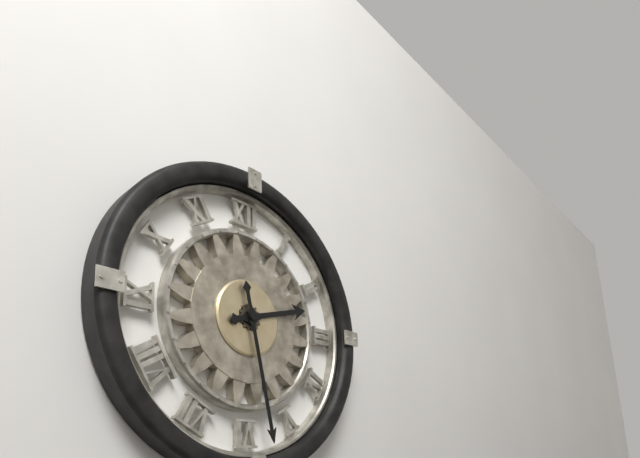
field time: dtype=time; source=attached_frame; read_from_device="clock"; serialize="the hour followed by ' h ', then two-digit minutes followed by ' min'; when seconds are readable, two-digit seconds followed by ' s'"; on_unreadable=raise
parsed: 2 h 28 min
